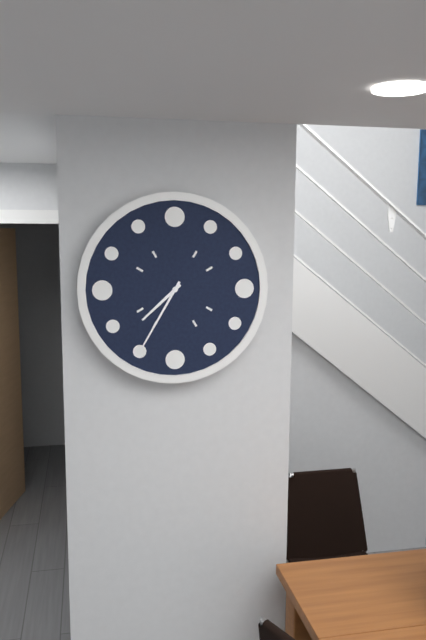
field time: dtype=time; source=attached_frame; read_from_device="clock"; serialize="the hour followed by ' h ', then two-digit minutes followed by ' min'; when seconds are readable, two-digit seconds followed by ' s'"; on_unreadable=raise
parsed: 7 h 35 min
